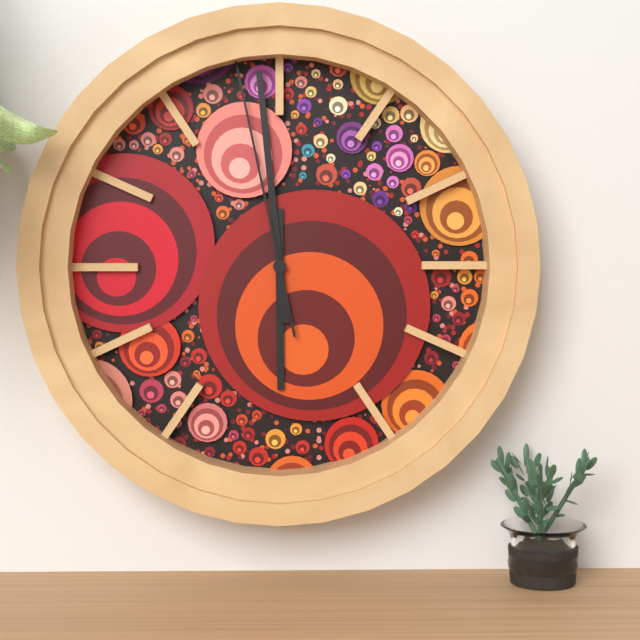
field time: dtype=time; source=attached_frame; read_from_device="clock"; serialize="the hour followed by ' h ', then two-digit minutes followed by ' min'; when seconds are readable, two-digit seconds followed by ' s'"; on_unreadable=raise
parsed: 5 h 59 min 58 s
